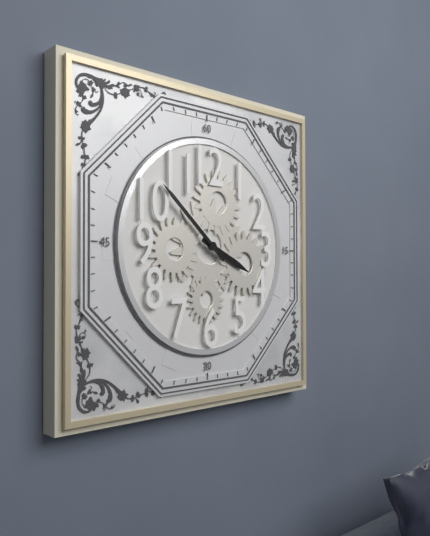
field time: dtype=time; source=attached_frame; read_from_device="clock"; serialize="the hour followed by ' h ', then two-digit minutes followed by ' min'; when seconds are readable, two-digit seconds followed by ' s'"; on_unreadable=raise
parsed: 3 h 52 min
